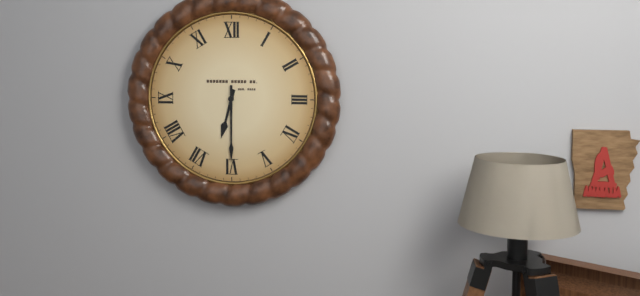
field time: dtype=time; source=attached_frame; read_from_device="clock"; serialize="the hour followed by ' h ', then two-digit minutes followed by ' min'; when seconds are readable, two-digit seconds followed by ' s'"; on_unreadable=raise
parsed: 6 h 30 min
